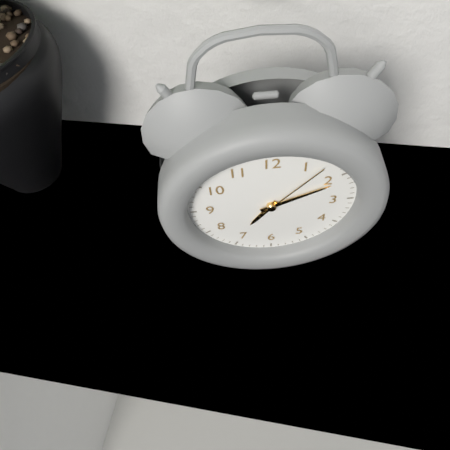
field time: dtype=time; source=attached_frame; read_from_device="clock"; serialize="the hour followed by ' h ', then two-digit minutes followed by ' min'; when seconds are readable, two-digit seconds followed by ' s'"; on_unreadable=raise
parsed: 7 h 11 min 07 s
